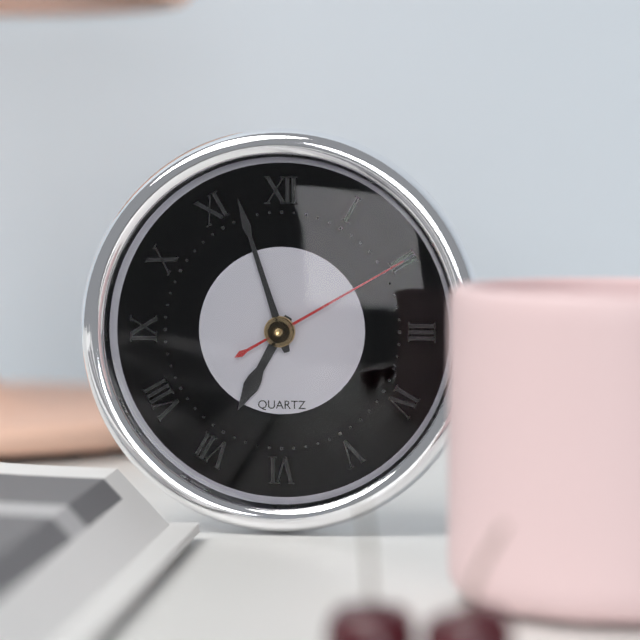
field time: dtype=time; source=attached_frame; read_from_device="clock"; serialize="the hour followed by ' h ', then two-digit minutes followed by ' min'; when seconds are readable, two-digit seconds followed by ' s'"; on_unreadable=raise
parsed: 6 h 57 min 10 s
